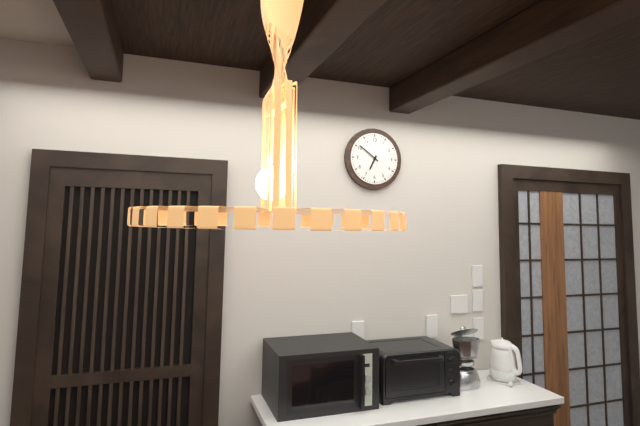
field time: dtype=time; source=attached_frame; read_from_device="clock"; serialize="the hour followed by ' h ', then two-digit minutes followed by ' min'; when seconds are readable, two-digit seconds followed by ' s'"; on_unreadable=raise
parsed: 6 h 51 min
